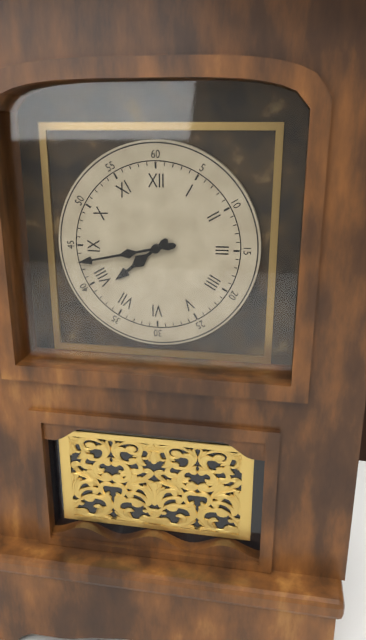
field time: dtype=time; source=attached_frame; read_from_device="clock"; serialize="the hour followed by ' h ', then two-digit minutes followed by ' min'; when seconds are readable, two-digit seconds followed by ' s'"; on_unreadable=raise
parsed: 7 h 43 min
